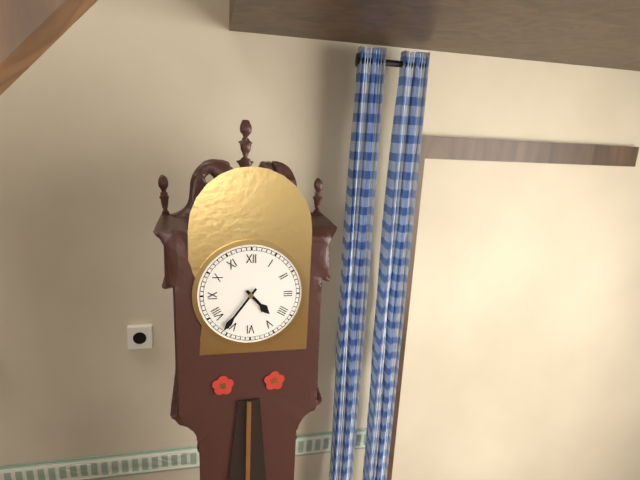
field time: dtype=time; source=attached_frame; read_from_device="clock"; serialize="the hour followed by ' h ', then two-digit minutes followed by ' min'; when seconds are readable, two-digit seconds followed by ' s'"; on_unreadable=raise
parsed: 4 h 36 min
